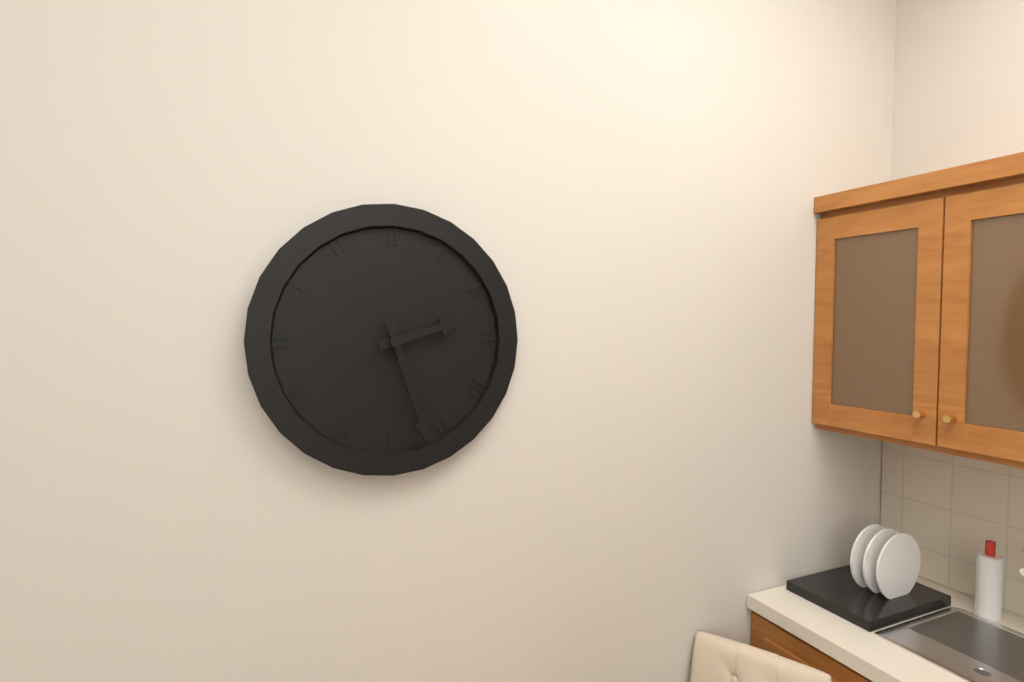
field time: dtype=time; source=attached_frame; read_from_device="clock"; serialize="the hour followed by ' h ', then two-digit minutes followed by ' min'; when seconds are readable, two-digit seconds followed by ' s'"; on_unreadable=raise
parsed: 2 h 27 min
